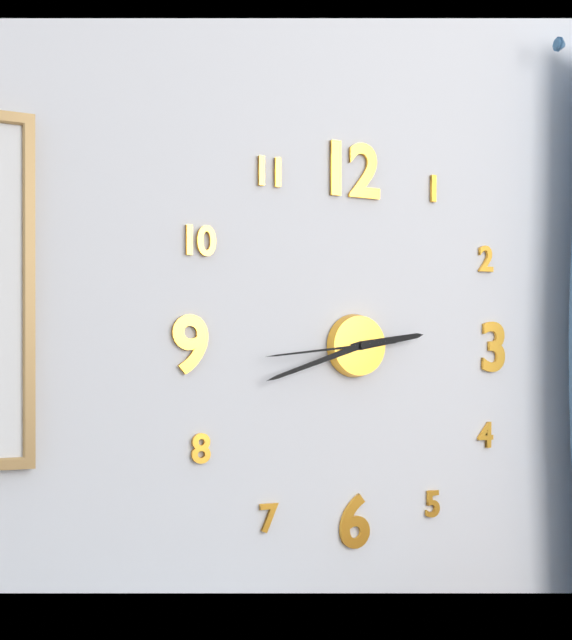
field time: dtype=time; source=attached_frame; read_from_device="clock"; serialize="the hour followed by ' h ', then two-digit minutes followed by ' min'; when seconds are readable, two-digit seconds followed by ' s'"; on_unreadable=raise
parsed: 2 h 42 min 44 s
